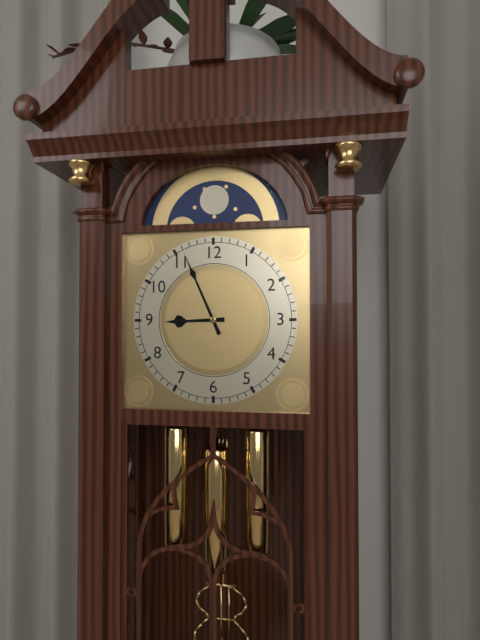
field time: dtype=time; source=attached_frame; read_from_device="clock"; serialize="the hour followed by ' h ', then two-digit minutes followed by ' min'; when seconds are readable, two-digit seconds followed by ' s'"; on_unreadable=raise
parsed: 8 h 56 min
